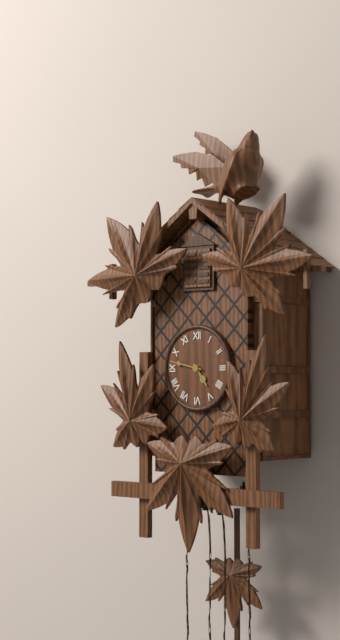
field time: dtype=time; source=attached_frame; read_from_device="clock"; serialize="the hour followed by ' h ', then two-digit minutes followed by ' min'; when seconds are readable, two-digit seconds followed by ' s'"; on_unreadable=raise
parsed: 4 h 47 min
